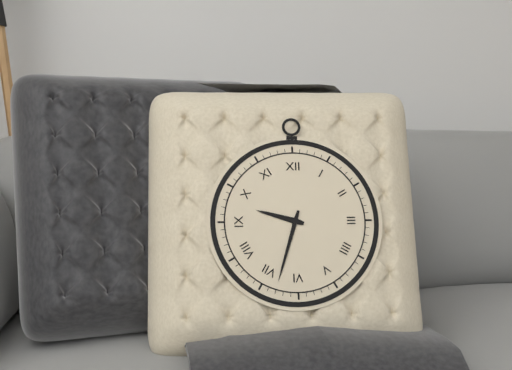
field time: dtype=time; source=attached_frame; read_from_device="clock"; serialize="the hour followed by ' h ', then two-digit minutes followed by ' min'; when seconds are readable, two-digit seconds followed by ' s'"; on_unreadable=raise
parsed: 9 h 33 min
